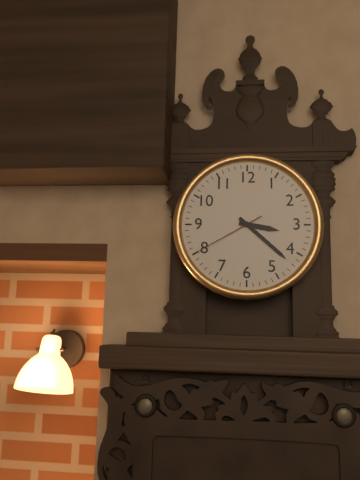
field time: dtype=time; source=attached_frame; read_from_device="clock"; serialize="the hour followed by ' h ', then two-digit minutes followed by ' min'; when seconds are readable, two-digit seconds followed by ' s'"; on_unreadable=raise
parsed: 3 h 22 min 40 s
